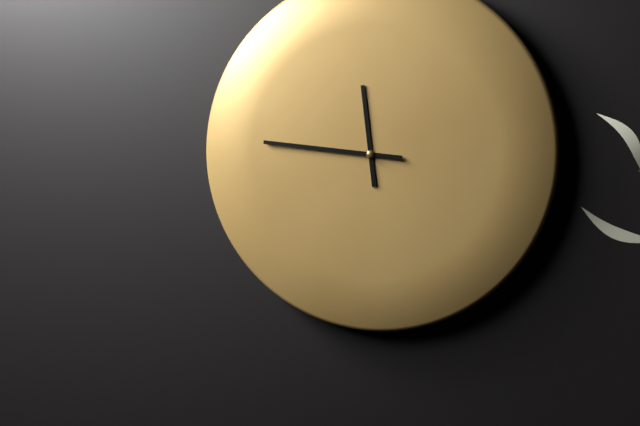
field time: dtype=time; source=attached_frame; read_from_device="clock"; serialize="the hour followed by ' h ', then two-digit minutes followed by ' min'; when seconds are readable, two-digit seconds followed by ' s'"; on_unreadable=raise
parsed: 11 h 46 min
